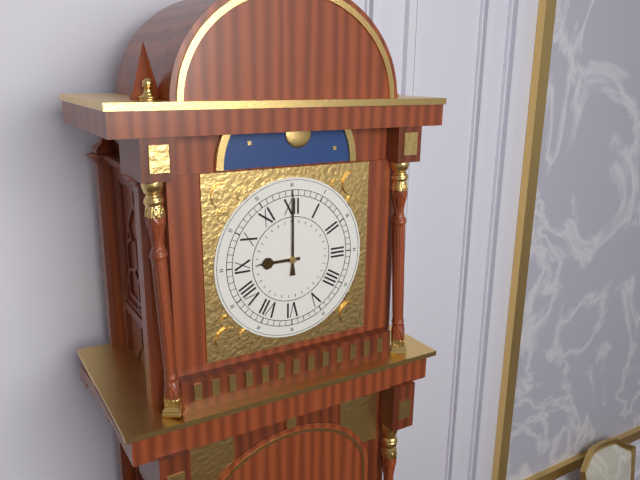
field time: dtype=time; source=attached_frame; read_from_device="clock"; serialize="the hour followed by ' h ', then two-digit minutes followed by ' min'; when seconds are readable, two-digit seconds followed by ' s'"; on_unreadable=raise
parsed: 9 h 00 min
